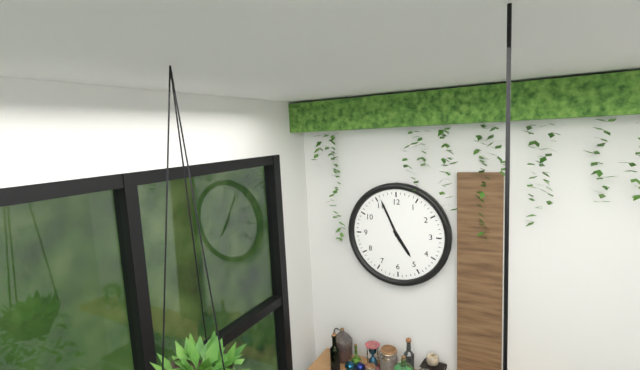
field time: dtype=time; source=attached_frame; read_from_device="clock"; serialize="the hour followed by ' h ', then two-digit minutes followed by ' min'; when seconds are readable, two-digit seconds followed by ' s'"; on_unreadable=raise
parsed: 4 h 56 min
